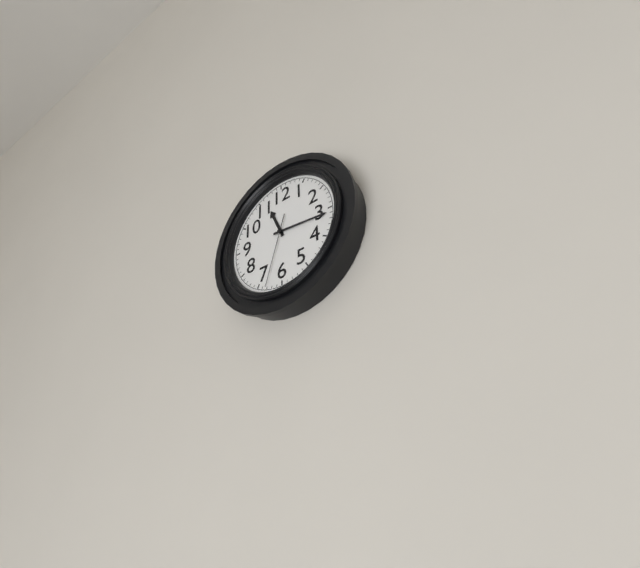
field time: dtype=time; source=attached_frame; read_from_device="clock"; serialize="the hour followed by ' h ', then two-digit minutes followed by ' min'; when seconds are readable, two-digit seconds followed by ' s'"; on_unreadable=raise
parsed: 11 h 16 min 33 s
